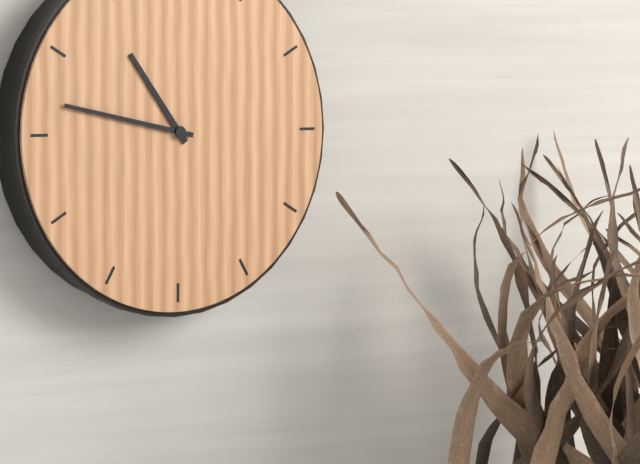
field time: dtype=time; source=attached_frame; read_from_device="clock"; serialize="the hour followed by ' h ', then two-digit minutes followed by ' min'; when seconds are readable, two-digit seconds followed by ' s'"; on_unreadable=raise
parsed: 10 h 47 min
